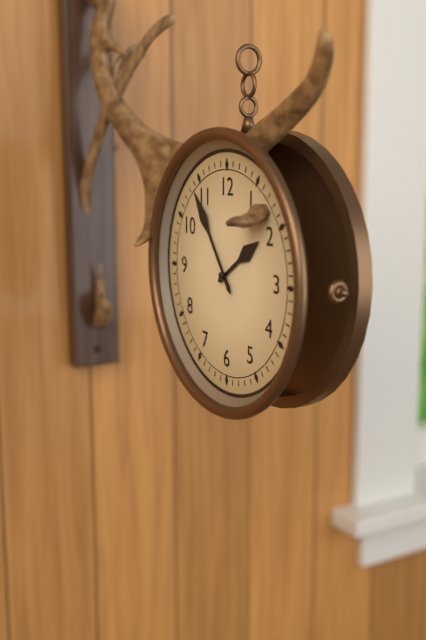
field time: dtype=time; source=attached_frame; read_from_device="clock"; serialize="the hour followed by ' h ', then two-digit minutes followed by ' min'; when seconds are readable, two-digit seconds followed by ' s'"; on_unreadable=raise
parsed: 1 h 54 min
